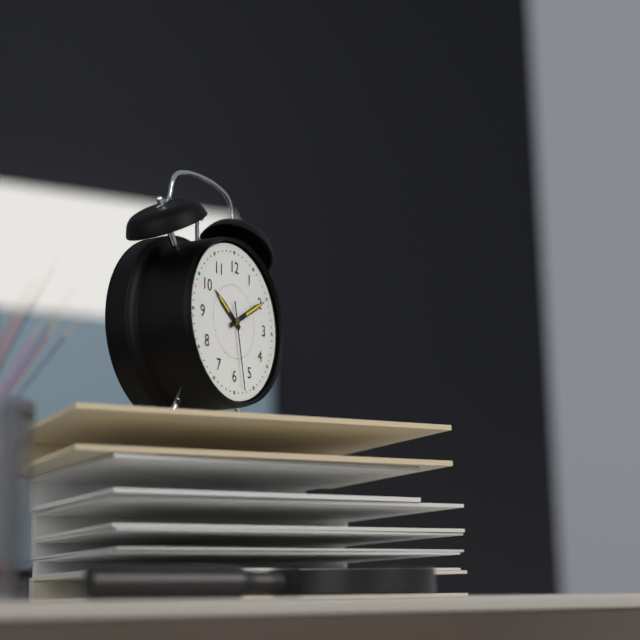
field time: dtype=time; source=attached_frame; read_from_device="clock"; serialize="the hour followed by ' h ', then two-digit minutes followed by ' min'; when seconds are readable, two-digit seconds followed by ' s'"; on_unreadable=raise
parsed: 10 h 10 min 28 s
